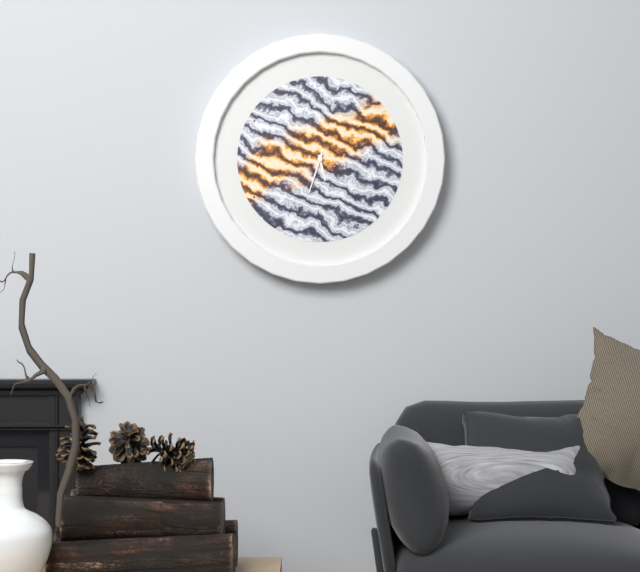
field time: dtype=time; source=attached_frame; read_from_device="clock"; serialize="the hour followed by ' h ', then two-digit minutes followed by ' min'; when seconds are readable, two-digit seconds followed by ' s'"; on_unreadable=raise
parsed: 5 h 33 min
